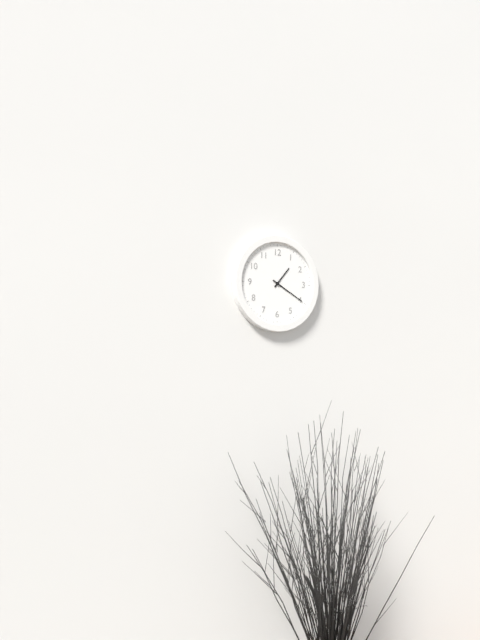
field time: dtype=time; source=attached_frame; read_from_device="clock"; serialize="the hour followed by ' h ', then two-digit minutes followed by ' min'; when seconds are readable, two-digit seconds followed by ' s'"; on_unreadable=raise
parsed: 1 h 20 min
